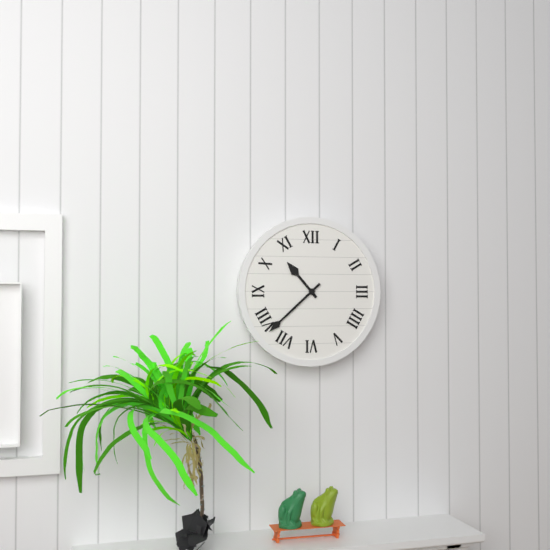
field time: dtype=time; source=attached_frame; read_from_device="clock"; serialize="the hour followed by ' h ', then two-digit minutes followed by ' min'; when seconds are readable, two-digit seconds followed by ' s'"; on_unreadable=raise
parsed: 10 h 38 min
